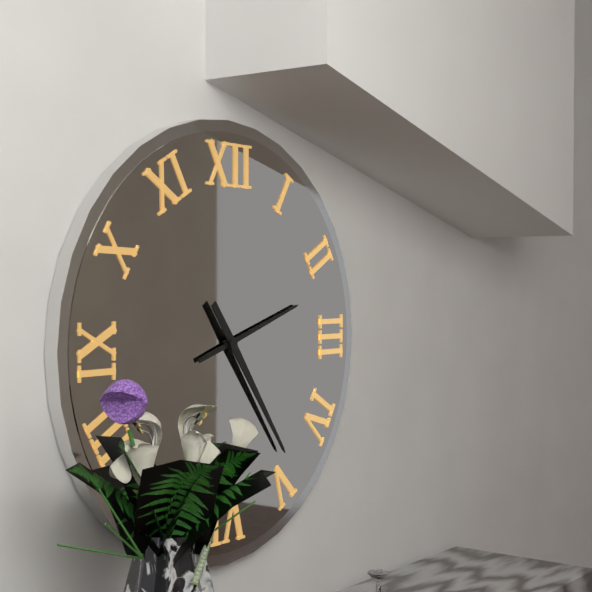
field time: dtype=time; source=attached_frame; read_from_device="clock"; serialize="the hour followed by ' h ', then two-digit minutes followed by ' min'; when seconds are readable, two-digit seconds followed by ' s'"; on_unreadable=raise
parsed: 2 h 24 min
